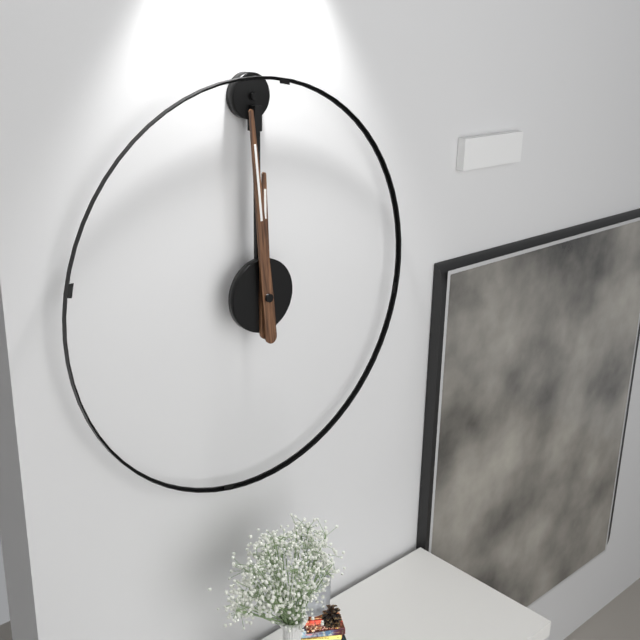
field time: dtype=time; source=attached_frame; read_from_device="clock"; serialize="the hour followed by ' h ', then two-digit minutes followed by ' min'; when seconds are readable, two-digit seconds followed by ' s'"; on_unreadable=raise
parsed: 11 h 59 min
